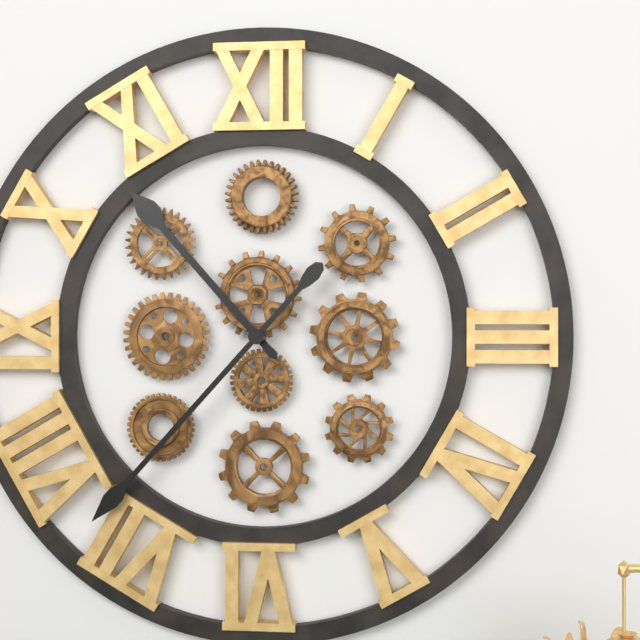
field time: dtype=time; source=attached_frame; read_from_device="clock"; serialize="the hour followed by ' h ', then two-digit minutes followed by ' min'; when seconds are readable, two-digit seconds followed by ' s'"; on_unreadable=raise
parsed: 10 h 37 min
